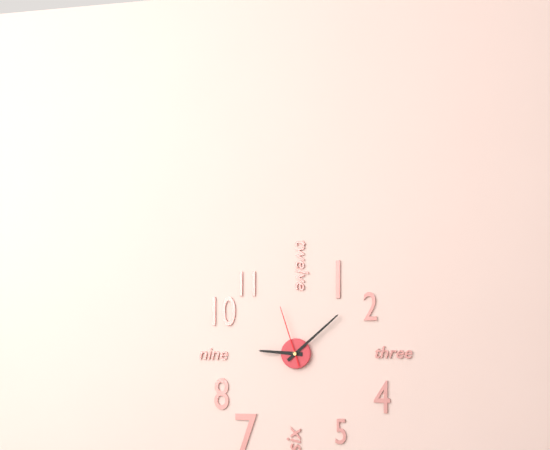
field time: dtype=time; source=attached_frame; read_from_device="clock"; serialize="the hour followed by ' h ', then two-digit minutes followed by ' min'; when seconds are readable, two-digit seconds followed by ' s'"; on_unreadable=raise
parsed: 9 h 08 min 57 s
